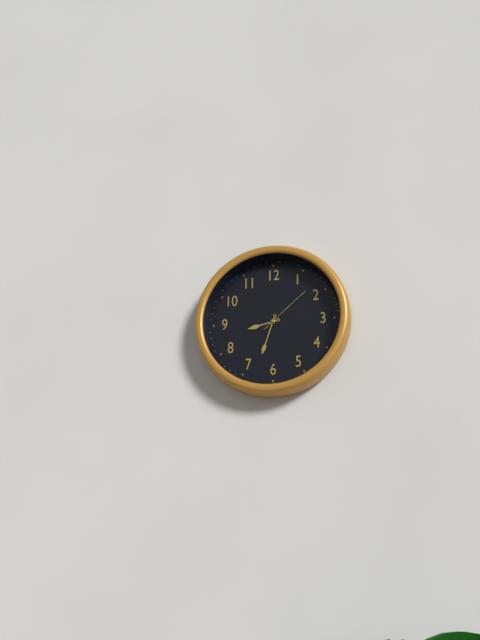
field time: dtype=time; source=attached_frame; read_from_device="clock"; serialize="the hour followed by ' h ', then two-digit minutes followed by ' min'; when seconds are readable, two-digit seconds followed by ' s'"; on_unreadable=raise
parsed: 8 h 33 min 08 s
